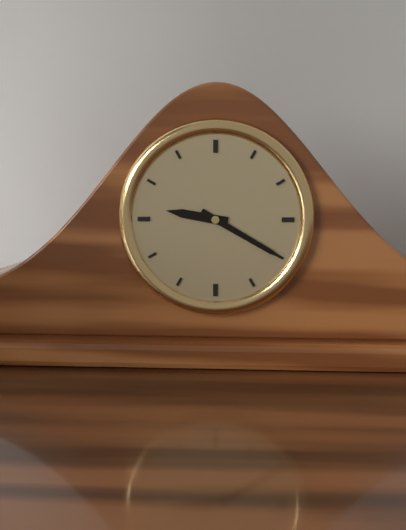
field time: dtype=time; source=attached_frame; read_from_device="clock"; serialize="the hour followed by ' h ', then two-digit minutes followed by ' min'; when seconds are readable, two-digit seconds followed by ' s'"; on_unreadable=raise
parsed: 9 h 20 min
